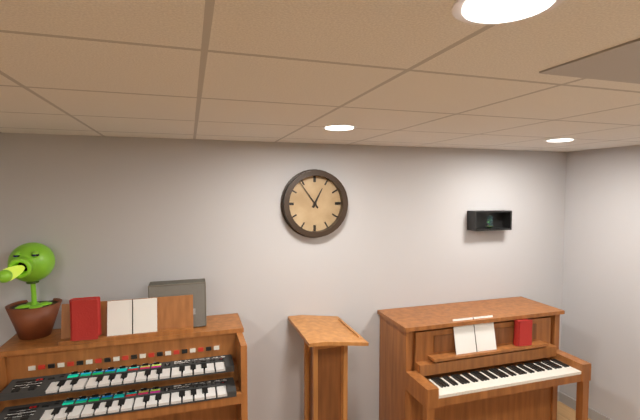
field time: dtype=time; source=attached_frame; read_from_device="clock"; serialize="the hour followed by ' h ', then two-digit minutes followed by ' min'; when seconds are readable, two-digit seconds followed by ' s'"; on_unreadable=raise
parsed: 12 h 54 min
